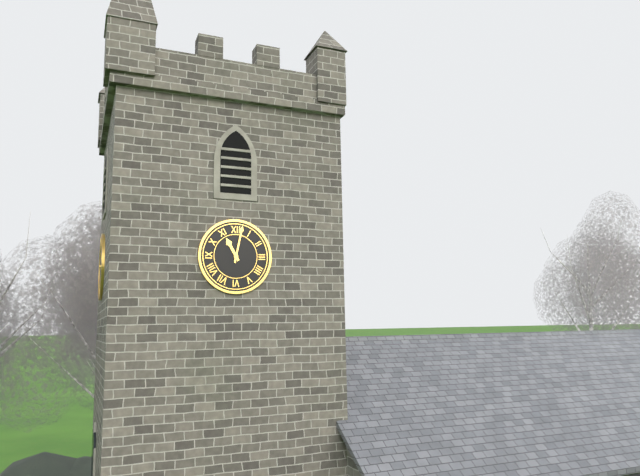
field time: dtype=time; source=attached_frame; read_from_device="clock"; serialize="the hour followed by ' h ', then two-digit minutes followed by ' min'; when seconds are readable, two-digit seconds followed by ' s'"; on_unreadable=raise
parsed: 11 h 02 min
